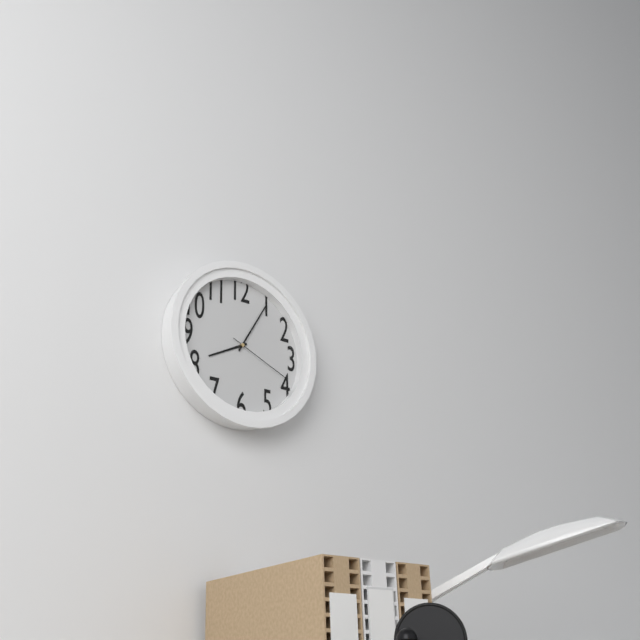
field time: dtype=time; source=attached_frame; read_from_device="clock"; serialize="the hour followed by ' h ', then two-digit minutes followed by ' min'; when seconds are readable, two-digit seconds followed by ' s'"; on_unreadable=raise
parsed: 8 h 05 min 19 s
